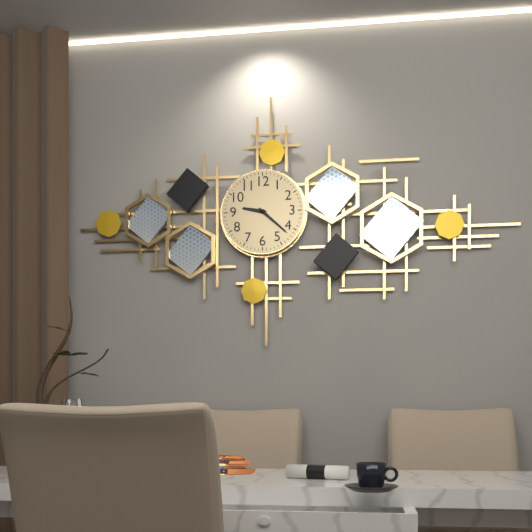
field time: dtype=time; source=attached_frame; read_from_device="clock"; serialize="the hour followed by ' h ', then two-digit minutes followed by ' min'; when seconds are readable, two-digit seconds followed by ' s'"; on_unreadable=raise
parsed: 9 h 22 min
